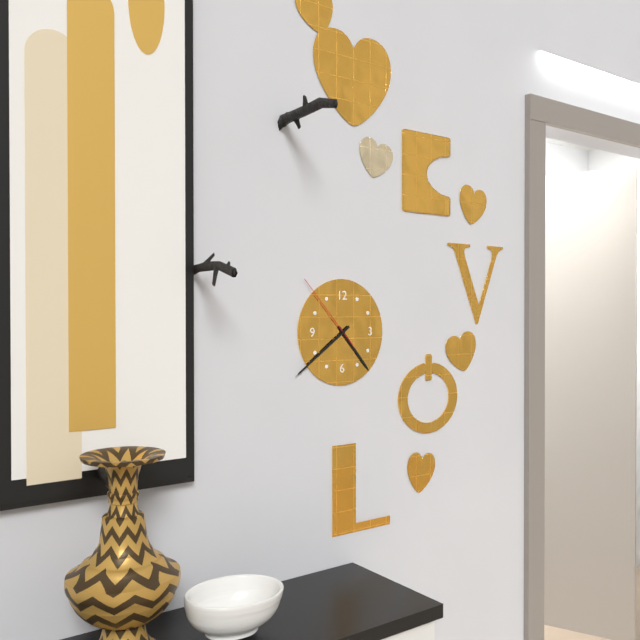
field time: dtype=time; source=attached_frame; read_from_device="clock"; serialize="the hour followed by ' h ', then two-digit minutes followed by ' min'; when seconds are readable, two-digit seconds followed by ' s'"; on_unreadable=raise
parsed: 4 h 39 min 53 s
